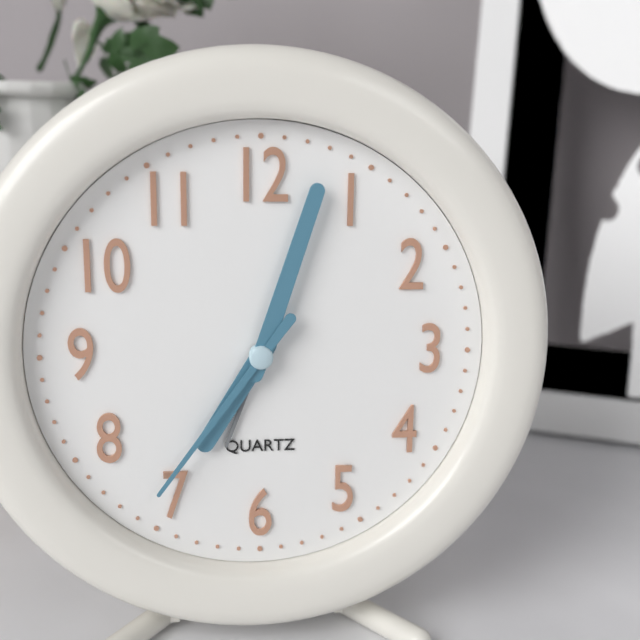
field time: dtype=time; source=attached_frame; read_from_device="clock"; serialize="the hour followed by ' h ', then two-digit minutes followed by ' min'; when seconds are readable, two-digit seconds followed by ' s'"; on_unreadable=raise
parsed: 7 h 03 min 36 s
